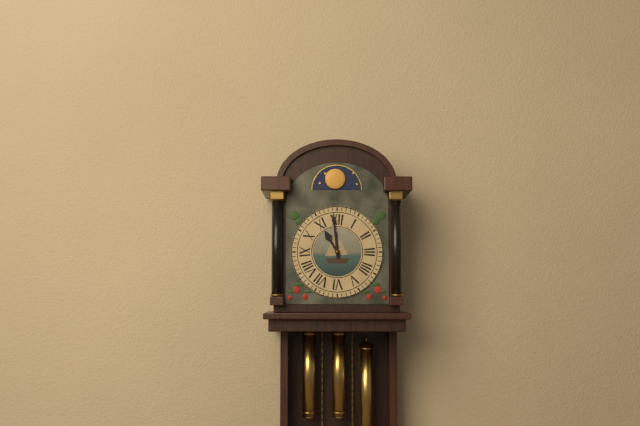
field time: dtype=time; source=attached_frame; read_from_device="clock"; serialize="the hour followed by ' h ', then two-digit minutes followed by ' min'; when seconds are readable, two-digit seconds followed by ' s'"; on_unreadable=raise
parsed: 10 h 59 min
